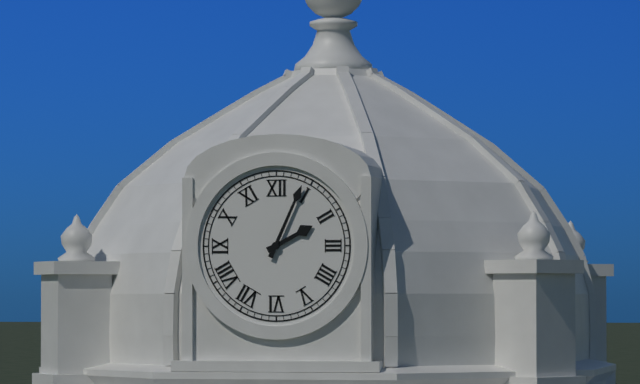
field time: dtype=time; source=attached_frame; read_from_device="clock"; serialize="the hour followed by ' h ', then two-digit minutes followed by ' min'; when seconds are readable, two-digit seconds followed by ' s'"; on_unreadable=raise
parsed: 2 h 04 min
